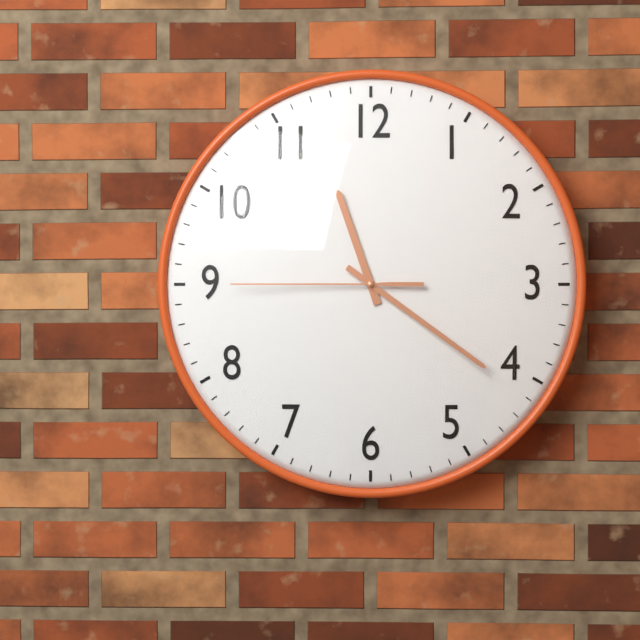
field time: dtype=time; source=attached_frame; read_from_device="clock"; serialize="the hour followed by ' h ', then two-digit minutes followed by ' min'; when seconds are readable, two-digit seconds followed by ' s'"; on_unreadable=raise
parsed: 11 h 21 min 45 s
